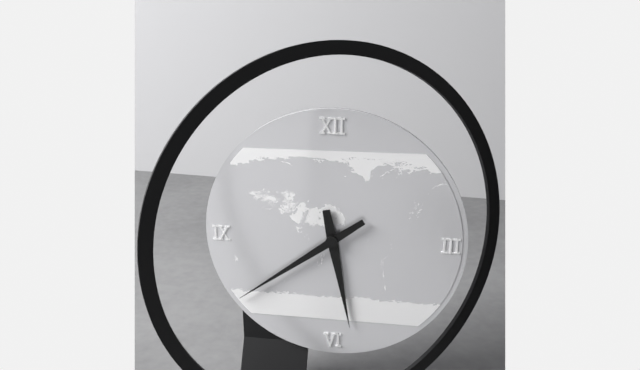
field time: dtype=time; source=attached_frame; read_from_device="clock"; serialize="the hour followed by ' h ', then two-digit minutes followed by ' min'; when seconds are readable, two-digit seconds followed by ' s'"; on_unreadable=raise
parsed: 5 h 39 min
